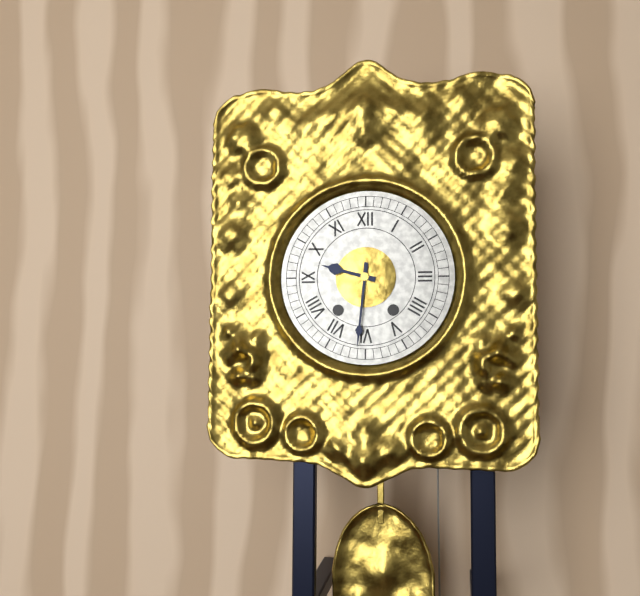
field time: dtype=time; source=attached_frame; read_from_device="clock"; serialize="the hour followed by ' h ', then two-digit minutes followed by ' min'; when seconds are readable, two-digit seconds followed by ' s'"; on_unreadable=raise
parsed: 9 h 31 min
